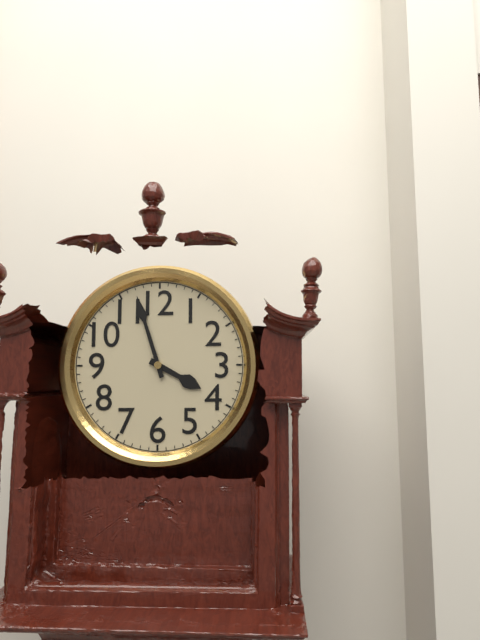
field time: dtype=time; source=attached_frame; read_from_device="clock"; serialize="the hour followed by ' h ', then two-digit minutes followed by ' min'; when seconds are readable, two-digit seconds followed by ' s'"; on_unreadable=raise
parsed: 3 h 57 min
